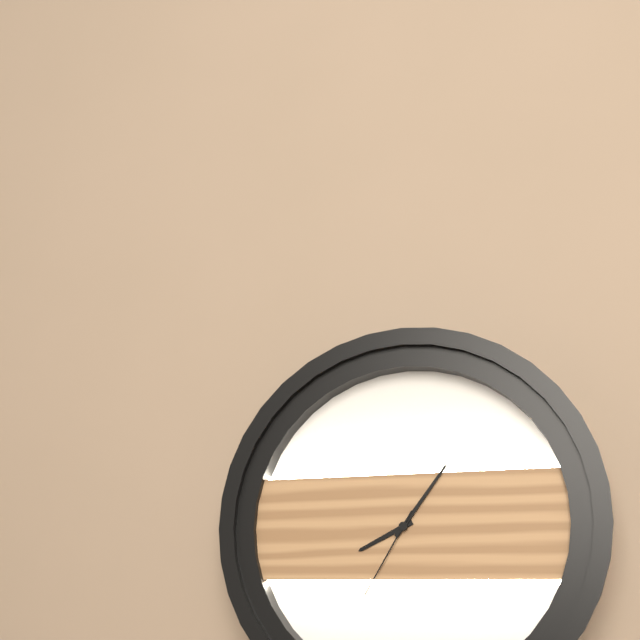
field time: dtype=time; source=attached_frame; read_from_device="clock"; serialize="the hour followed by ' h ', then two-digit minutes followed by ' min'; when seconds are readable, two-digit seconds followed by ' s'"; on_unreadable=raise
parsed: 8 h 06 min 35 s
